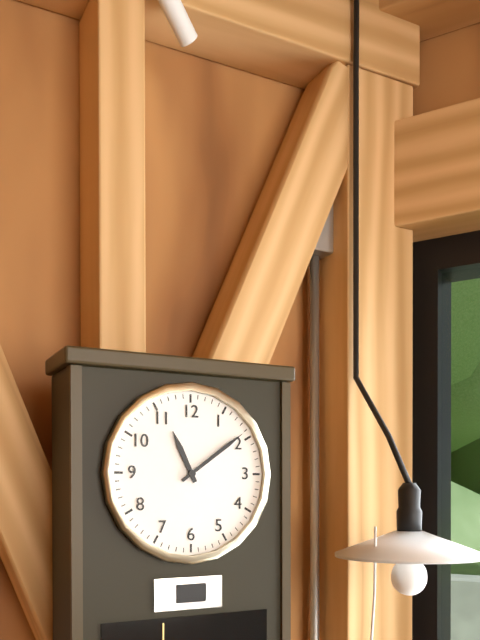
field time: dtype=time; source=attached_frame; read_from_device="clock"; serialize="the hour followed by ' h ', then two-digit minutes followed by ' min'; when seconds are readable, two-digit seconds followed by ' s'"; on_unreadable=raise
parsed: 11 h 09 min
